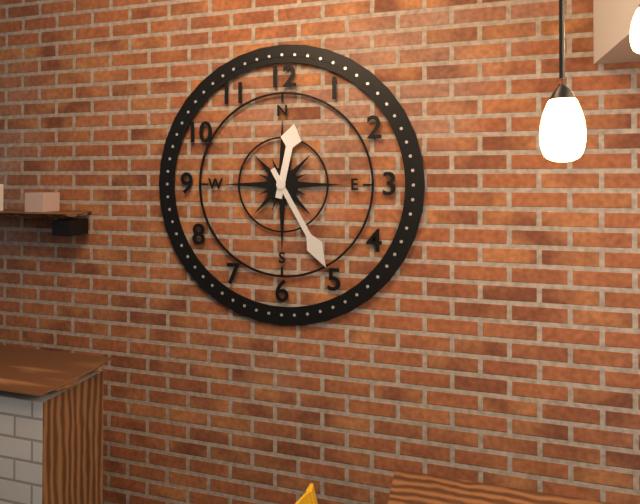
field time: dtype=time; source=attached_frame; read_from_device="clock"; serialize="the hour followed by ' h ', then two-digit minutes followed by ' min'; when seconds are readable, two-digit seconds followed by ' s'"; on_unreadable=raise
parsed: 12 h 25 min
